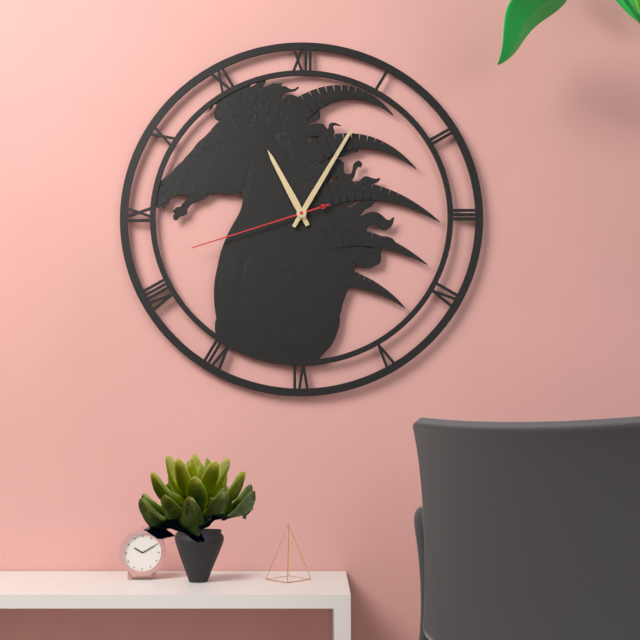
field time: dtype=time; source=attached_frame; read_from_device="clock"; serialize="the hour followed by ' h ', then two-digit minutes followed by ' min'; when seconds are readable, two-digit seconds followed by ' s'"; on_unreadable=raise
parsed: 11 h 05 min 42 s
